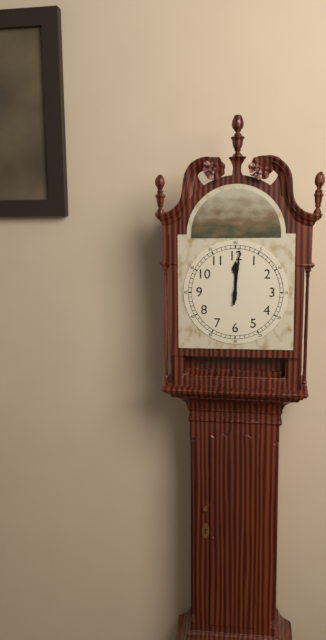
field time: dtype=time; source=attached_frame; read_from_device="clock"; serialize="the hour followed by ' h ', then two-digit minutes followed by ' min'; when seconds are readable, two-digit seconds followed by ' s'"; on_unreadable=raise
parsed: 12 h 01 min
